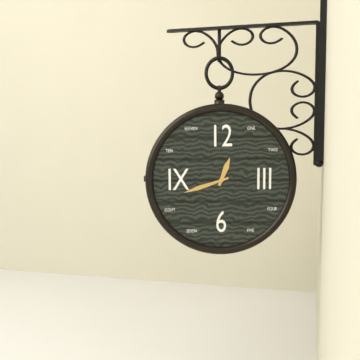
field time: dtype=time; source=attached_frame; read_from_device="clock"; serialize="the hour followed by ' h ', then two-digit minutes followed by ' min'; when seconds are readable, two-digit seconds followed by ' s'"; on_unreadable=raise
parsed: 12 h 42 min
